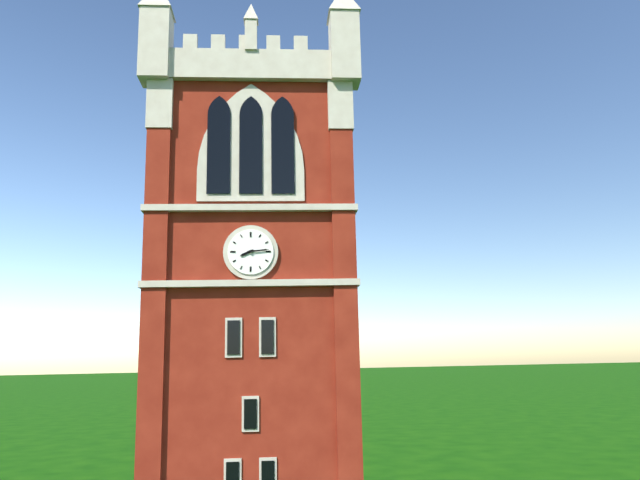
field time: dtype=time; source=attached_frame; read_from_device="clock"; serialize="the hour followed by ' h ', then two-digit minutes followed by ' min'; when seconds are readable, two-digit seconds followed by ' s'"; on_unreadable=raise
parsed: 8 h 14 min
